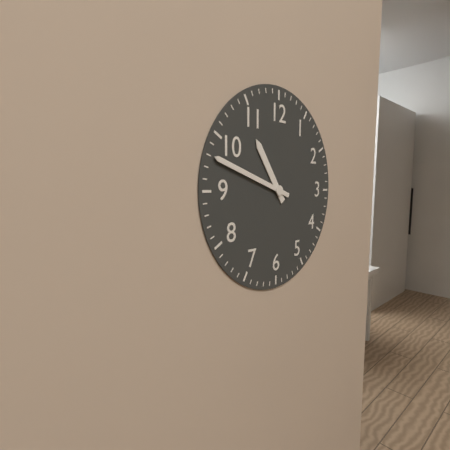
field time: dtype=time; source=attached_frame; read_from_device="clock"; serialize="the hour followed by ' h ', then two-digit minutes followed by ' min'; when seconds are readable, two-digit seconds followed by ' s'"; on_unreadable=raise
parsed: 10 h 48 min
